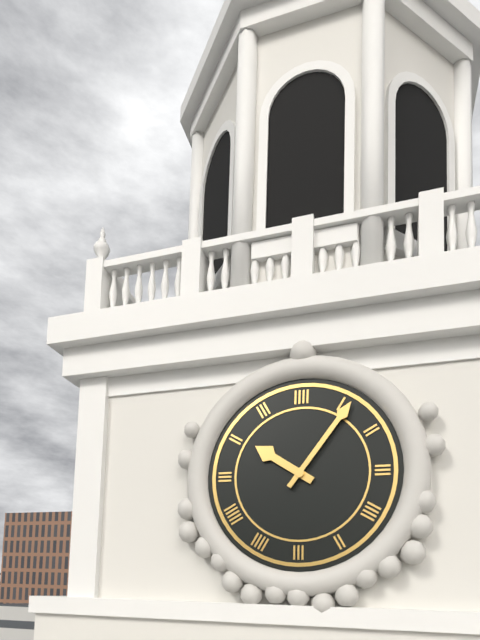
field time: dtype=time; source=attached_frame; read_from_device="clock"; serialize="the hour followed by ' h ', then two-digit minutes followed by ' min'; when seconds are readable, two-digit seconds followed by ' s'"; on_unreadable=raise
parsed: 10 h 06 min
